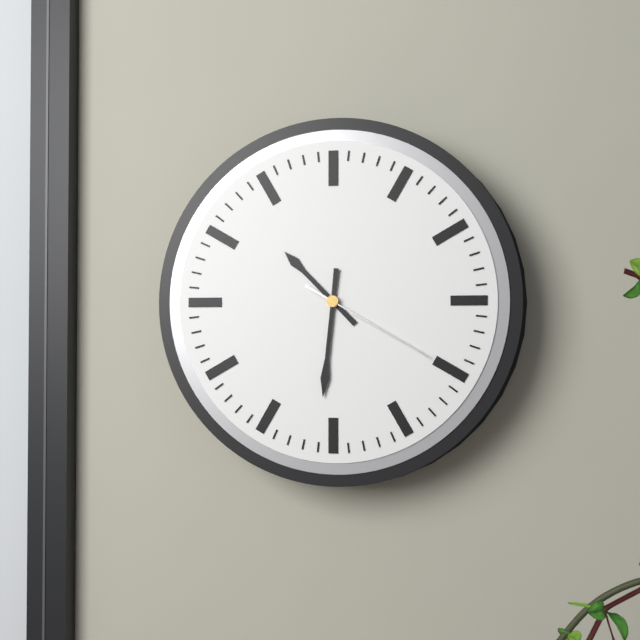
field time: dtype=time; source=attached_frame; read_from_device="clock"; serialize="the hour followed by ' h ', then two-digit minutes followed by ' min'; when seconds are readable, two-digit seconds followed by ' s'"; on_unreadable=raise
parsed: 10 h 31 min 20 s
